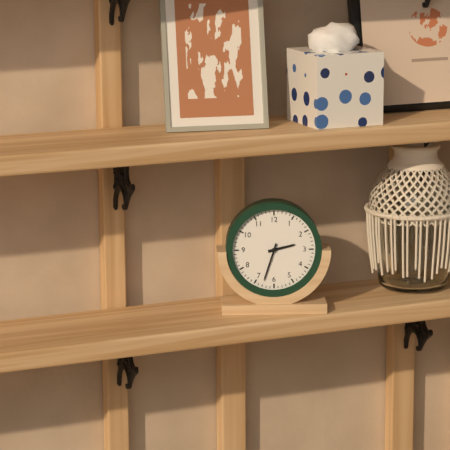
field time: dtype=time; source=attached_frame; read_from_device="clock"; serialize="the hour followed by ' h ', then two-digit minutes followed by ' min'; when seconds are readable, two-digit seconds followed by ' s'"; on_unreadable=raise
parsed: 2 h 33 min
